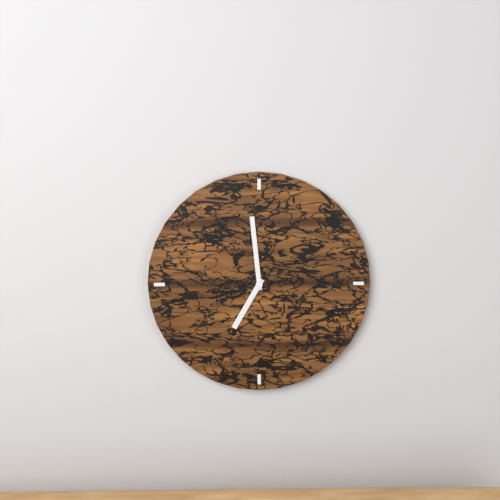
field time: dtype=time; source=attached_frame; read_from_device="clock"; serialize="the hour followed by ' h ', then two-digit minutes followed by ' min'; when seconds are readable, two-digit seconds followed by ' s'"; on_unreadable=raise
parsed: 6 h 59 min
